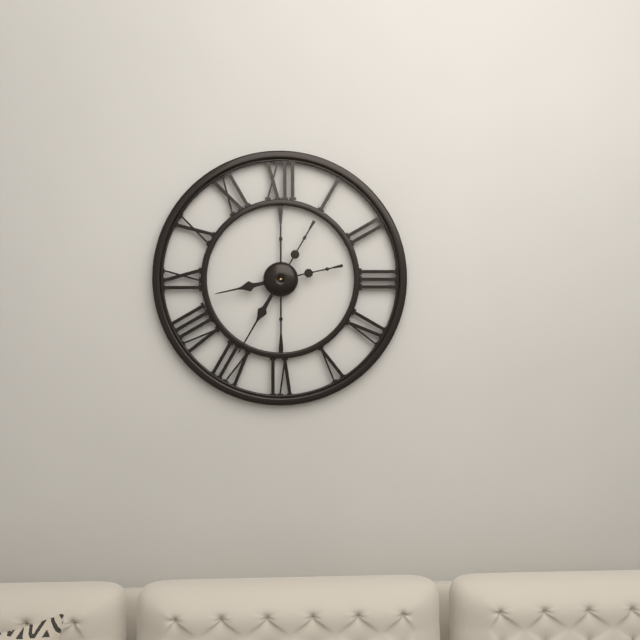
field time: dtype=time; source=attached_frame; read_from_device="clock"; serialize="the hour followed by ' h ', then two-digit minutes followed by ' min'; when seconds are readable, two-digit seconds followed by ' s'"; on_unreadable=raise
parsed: 8 h 35 min
